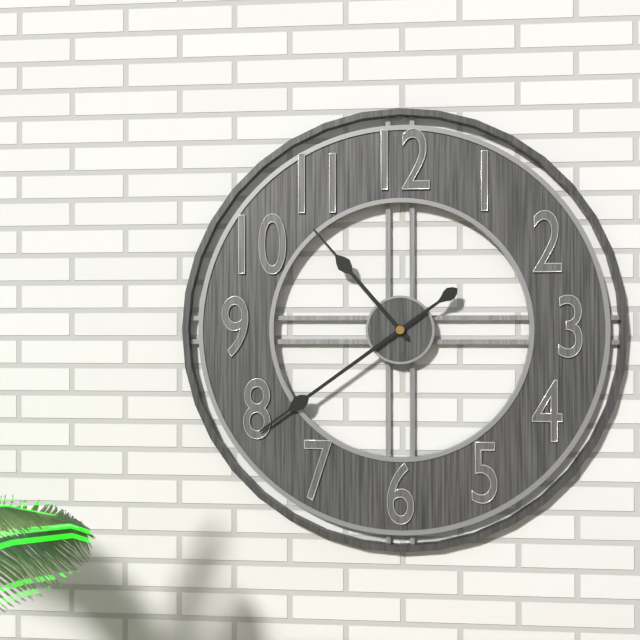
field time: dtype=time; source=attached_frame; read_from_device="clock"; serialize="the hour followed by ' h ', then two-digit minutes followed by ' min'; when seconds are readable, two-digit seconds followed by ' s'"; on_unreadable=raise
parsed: 10 h 39 min
